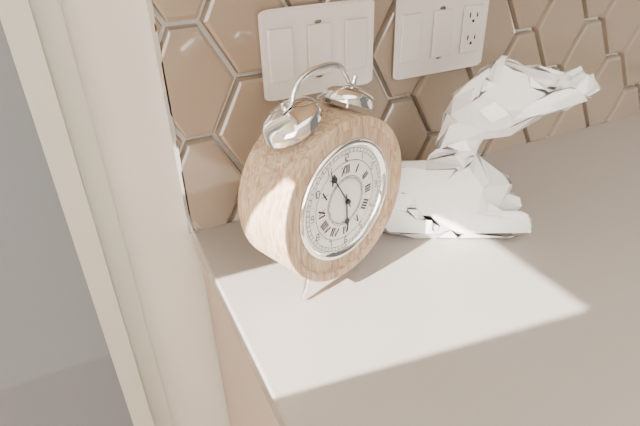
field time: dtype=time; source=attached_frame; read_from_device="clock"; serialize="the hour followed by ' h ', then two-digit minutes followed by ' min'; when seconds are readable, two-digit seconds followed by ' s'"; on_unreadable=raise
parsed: 5 h 55 min
